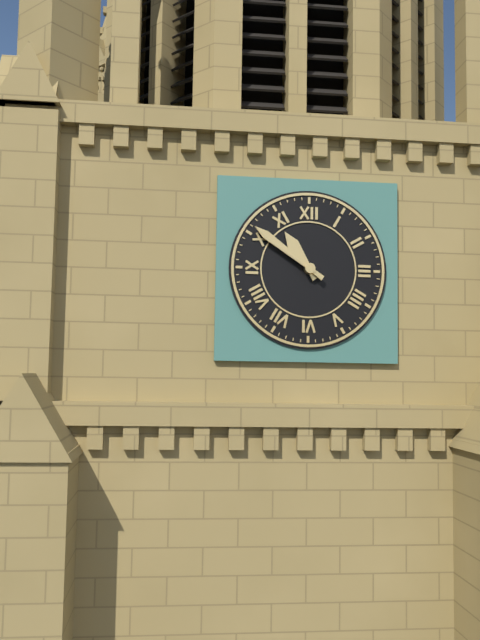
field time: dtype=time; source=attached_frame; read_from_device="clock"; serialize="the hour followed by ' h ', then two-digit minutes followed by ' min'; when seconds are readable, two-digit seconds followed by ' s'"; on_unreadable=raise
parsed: 10 h 51 min
